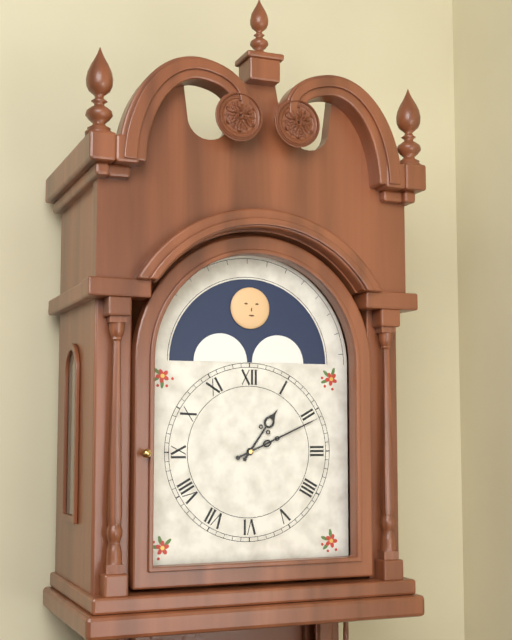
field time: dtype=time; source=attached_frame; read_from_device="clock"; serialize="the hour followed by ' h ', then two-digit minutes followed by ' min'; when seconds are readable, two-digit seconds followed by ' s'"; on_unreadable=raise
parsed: 1 h 11 min
